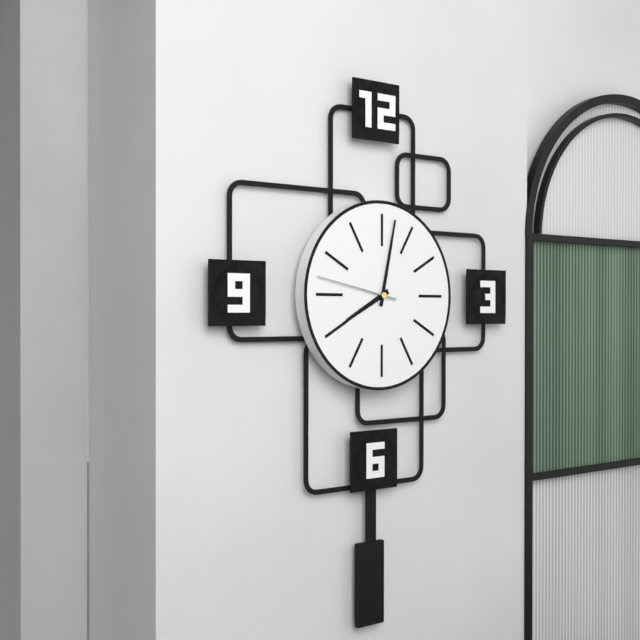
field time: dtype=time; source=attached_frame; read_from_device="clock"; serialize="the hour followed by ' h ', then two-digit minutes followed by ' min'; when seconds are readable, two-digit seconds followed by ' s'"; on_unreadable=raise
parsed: 8 h 02 min 47 s
